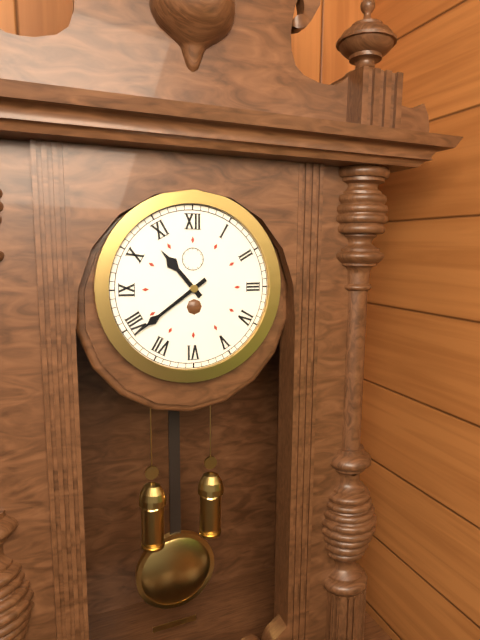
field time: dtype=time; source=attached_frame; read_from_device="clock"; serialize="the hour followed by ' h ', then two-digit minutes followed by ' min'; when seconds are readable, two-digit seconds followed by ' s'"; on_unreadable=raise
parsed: 10 h 39 min
